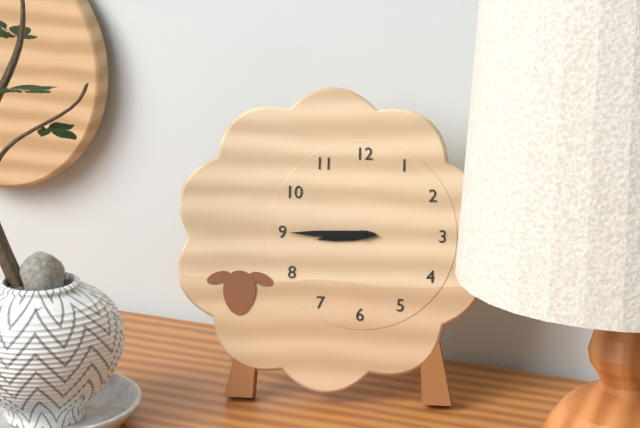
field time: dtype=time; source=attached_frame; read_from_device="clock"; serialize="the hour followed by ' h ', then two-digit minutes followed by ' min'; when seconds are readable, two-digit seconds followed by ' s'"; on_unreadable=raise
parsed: 8 h 45 min
